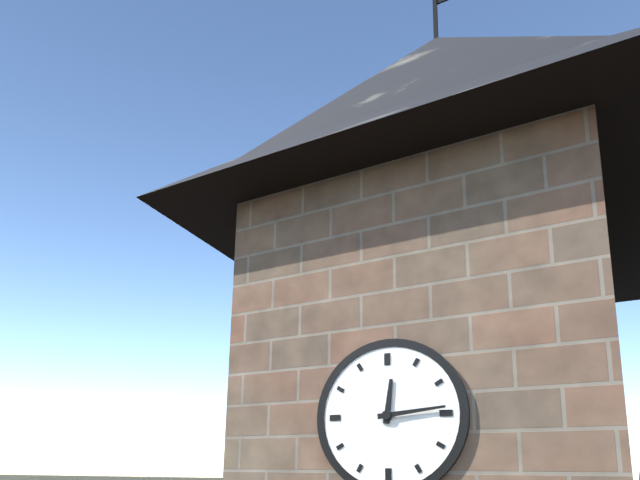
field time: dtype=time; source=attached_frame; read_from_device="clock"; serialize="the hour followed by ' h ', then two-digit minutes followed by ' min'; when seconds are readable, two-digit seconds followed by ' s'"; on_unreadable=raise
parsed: 12 h 14 min
